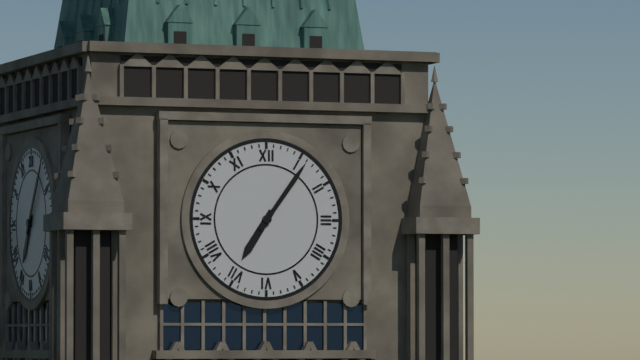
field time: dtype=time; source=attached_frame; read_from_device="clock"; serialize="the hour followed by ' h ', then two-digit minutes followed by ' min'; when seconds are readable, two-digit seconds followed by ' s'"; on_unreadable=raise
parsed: 7 h 06 min
